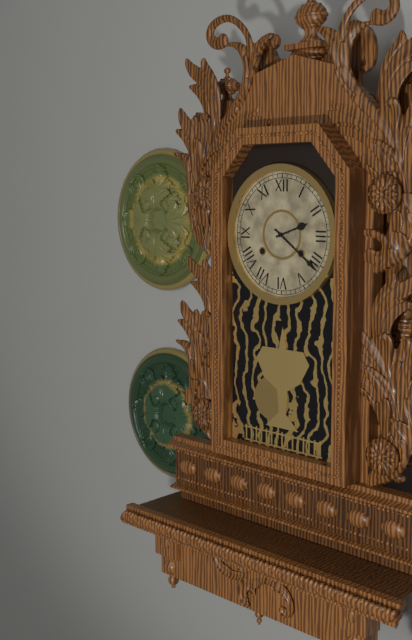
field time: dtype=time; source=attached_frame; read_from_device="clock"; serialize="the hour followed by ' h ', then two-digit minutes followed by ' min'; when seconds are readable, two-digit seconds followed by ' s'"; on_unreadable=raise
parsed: 2 h 21 min
